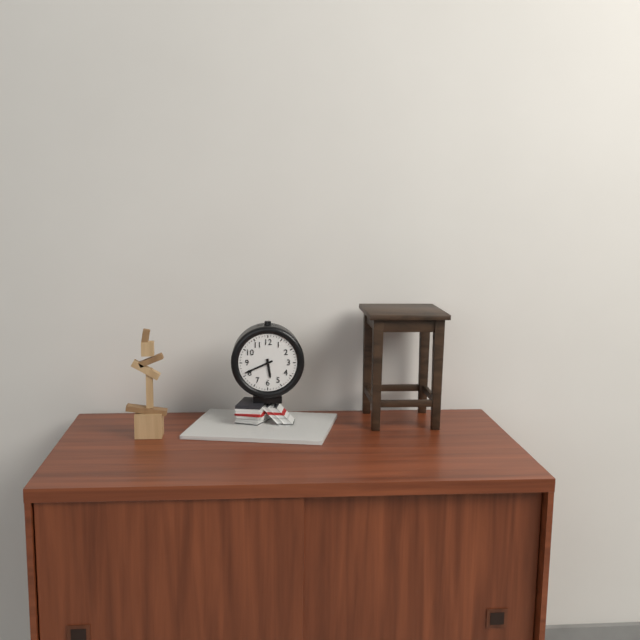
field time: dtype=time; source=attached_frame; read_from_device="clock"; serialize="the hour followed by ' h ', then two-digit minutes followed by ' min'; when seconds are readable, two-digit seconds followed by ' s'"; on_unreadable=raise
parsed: 5 h 41 min
